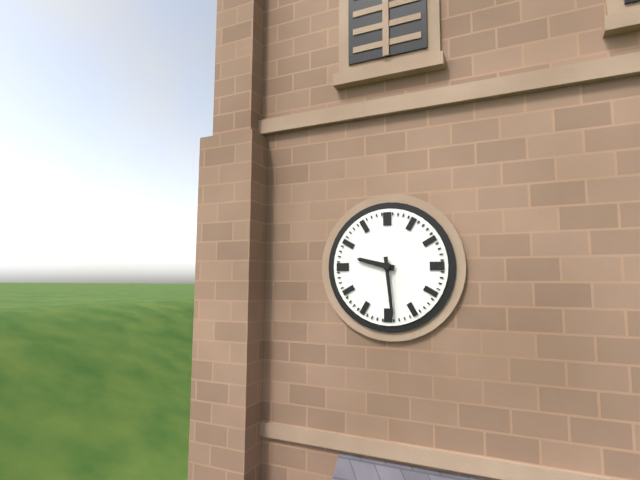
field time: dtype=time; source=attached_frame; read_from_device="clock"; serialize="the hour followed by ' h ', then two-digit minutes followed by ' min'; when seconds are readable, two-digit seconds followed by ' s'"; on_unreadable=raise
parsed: 9 h 29 min
